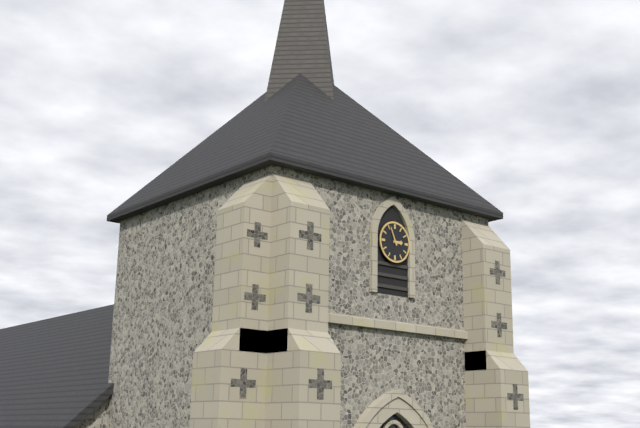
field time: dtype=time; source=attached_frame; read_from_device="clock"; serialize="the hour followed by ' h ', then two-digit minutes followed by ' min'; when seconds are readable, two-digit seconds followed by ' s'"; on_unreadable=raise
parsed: 2 h 56 min
